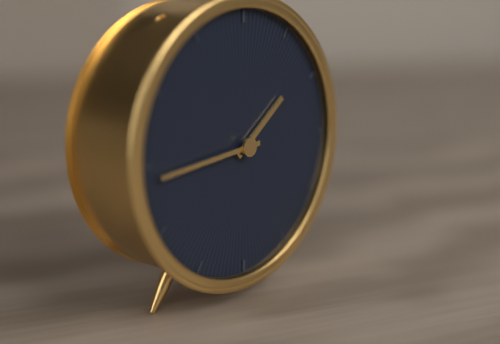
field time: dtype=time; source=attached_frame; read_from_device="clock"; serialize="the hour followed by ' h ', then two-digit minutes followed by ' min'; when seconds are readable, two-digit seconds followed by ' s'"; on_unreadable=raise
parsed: 1 h 44 min
